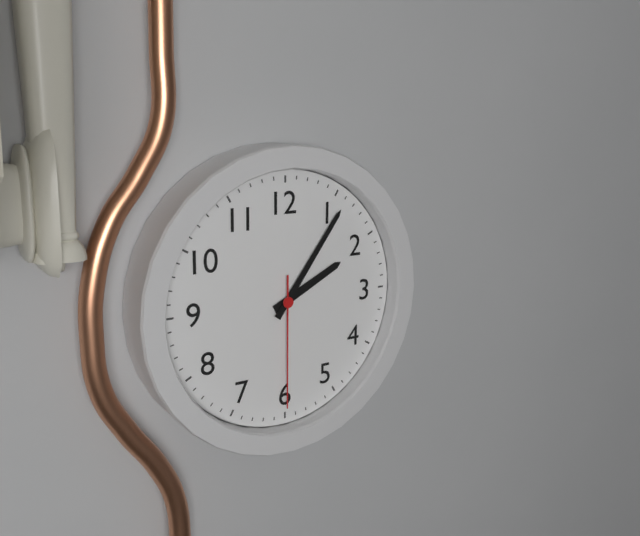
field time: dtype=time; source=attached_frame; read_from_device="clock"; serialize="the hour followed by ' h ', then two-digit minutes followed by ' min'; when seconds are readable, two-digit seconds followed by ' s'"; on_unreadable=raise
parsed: 2 h 06 min 30 s
